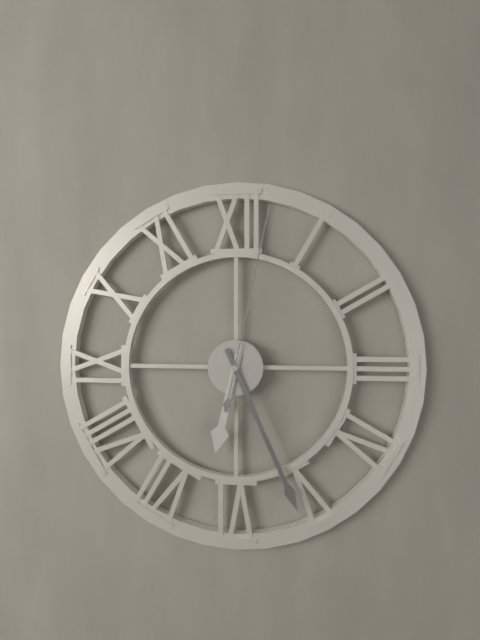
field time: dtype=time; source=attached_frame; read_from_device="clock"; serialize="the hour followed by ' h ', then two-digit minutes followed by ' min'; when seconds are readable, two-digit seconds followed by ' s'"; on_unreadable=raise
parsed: 6 h 26 min 02 s
